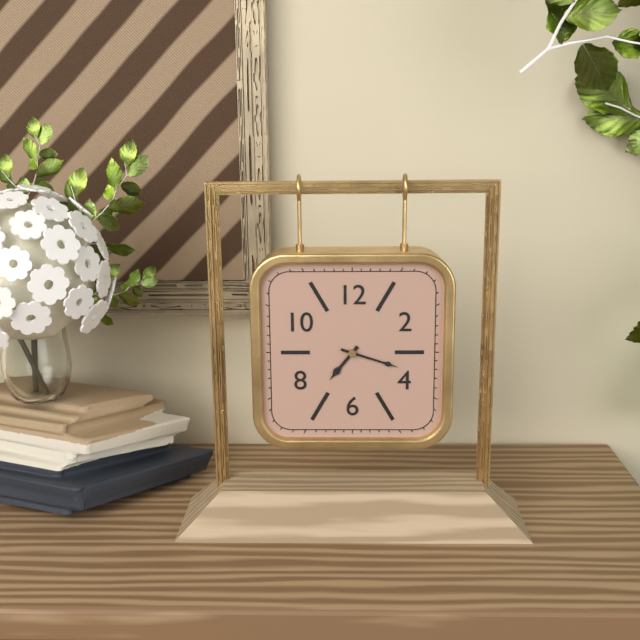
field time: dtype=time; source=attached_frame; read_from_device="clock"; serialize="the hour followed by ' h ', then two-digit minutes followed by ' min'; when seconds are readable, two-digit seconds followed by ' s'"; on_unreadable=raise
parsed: 7 h 18 min
